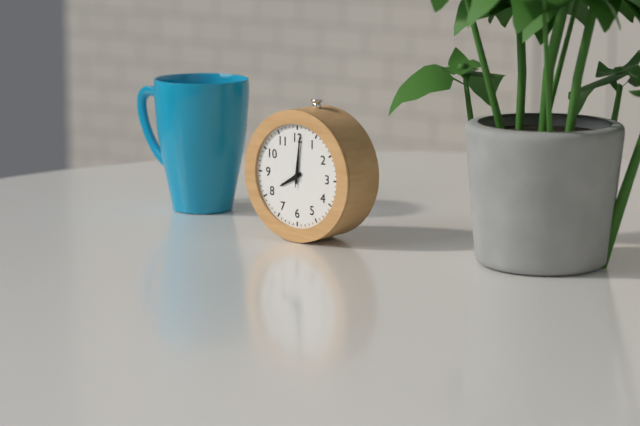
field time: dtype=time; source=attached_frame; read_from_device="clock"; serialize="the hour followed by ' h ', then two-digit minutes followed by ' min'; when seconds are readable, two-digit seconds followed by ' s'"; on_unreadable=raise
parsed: 8 h 01 min 01 s
